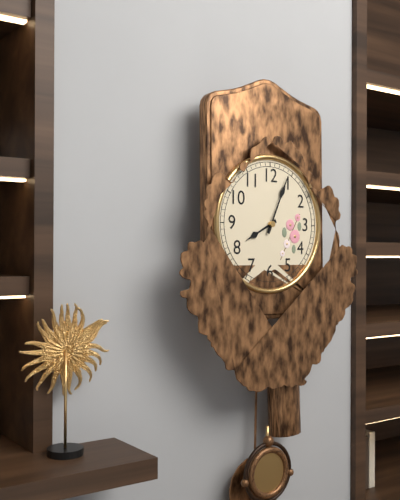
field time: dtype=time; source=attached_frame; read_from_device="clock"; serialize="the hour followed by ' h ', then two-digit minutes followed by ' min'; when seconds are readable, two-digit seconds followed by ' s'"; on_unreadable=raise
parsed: 8 h 04 min
